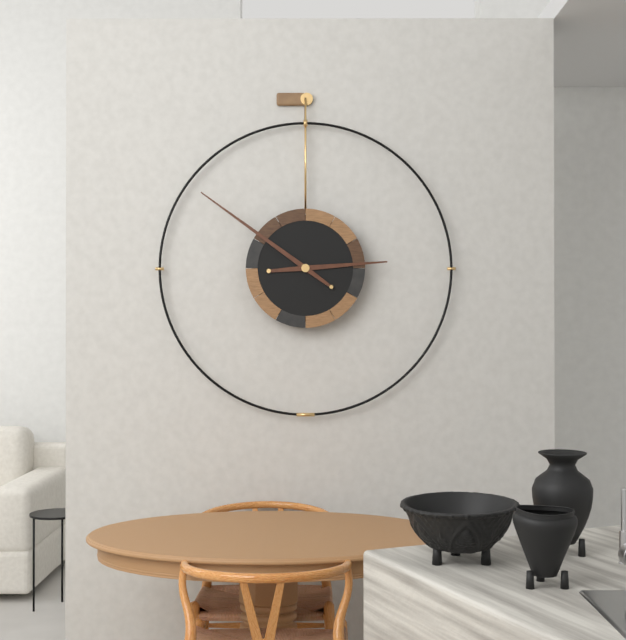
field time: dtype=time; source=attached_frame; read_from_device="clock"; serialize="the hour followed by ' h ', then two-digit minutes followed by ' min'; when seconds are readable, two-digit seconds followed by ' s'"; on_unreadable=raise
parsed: 2 h 51 min
